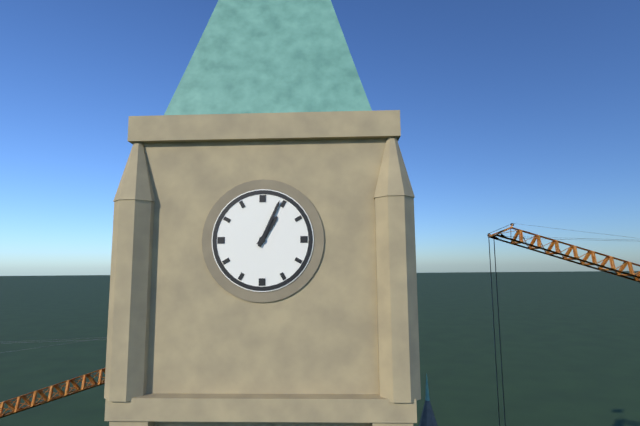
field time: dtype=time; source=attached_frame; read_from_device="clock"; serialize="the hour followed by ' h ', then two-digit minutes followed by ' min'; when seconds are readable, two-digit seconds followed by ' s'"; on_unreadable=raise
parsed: 1 h 04 min
